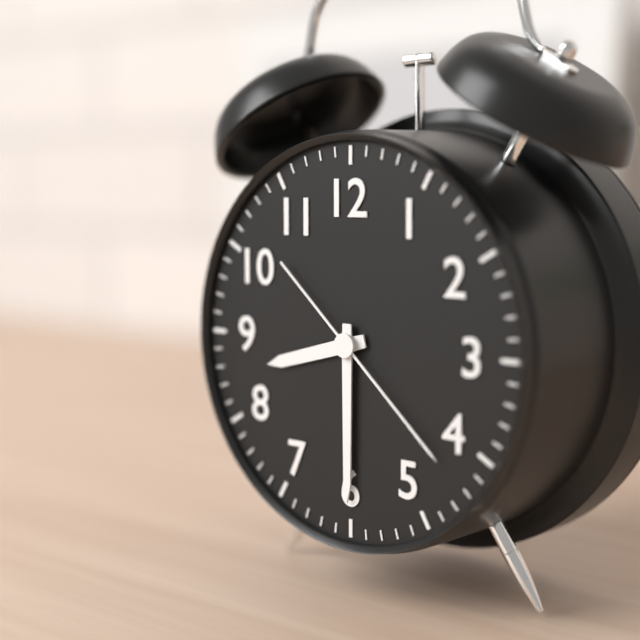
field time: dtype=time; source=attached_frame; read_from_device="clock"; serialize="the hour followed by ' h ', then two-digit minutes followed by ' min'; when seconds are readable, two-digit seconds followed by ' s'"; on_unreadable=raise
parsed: 8 h 30 min 22 s
